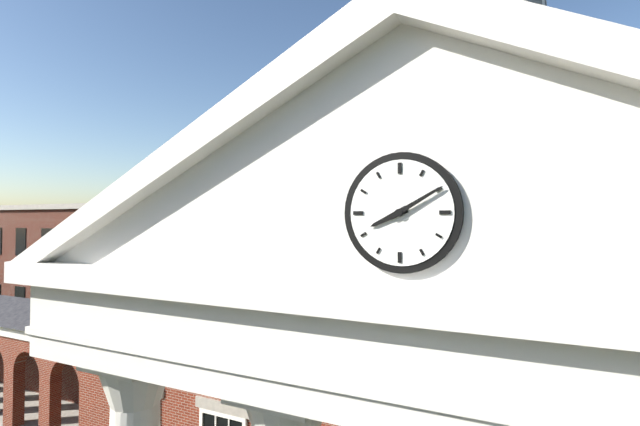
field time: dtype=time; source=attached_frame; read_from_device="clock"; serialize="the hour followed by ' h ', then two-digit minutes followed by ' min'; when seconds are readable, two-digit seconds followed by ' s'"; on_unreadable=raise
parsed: 8 h 10 min
